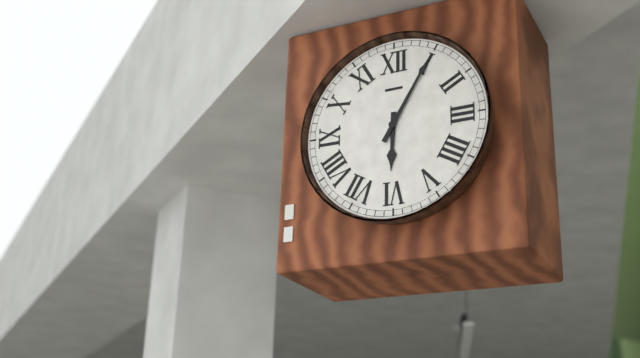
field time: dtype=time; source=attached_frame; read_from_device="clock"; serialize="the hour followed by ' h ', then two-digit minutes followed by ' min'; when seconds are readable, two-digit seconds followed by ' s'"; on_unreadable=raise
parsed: 6 h 05 min
